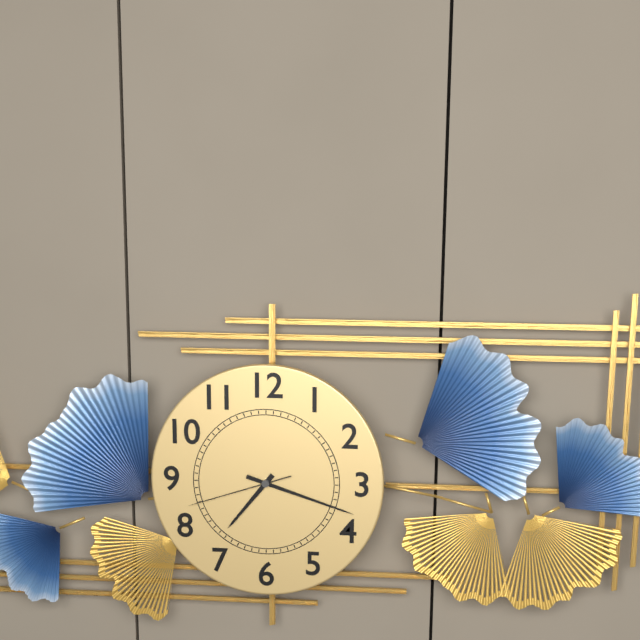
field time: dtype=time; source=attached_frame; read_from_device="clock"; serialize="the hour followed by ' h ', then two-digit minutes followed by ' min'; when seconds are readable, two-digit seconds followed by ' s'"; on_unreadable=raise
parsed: 7 h 18 min 42 s
